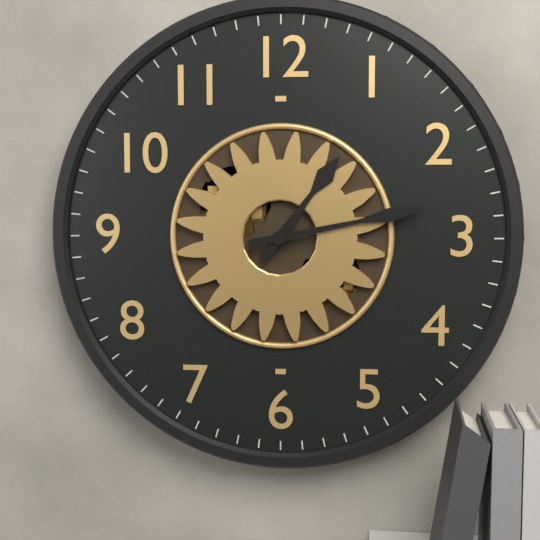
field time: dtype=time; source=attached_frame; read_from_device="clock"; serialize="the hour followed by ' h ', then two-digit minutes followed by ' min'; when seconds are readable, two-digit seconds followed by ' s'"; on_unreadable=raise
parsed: 1 h 13 min
